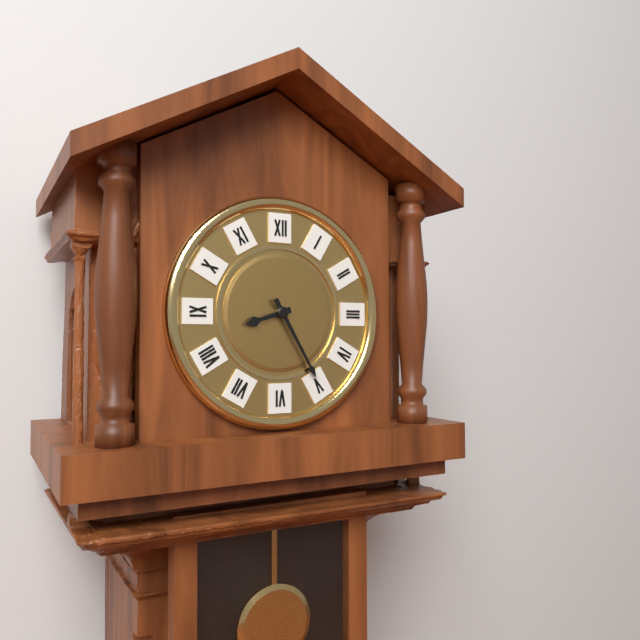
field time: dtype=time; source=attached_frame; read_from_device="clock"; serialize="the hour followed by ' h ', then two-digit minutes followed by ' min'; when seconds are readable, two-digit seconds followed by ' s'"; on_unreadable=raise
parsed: 8 h 25 min
